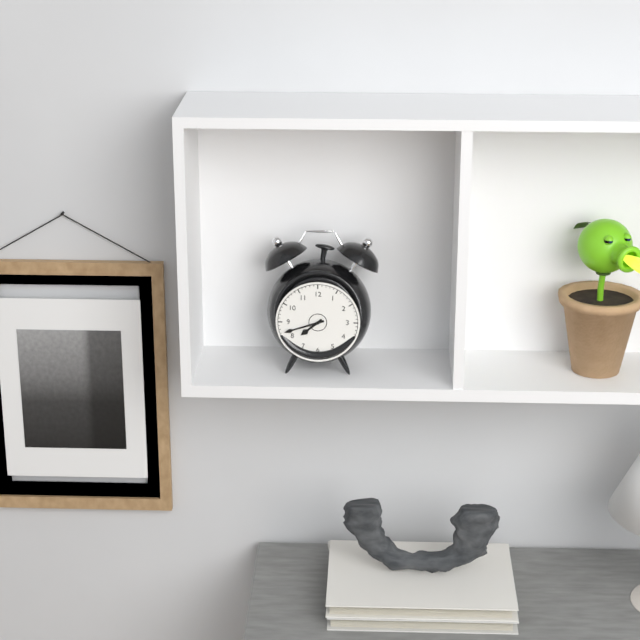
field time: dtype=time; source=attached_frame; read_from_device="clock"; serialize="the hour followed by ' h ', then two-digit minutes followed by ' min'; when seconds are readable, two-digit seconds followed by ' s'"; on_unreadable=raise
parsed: 7 h 42 min
